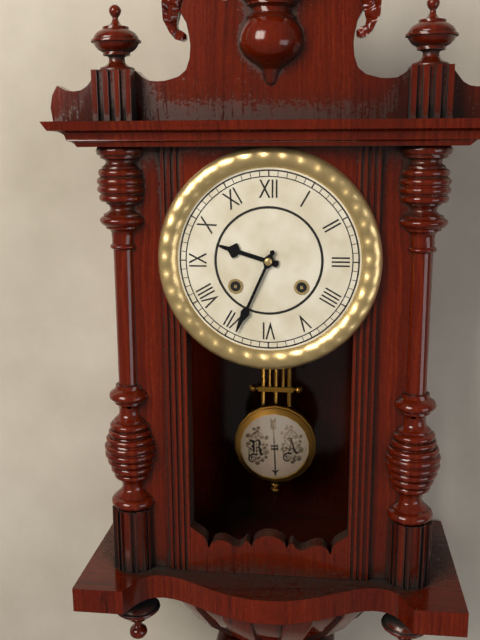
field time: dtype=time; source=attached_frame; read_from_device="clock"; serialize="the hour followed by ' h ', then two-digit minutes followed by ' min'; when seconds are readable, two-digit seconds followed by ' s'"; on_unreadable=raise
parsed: 9 h 34 min
